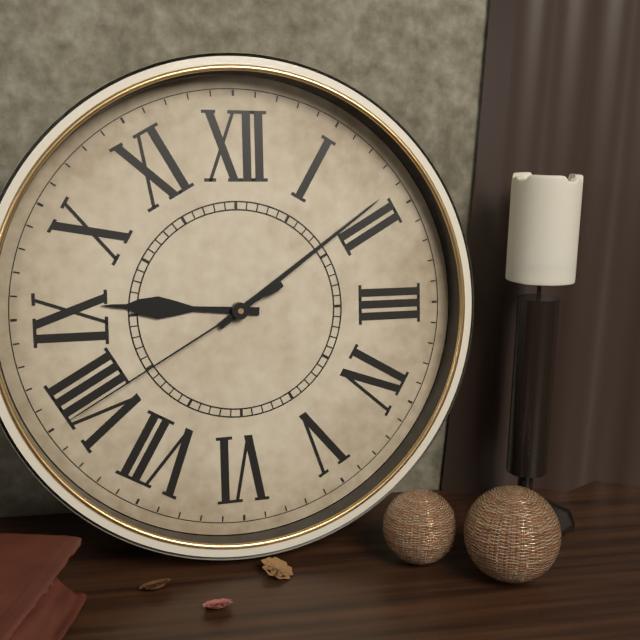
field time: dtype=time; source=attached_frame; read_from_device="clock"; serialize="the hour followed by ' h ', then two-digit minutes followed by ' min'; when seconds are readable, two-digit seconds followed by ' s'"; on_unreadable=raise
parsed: 9 h 09 min 40 s
